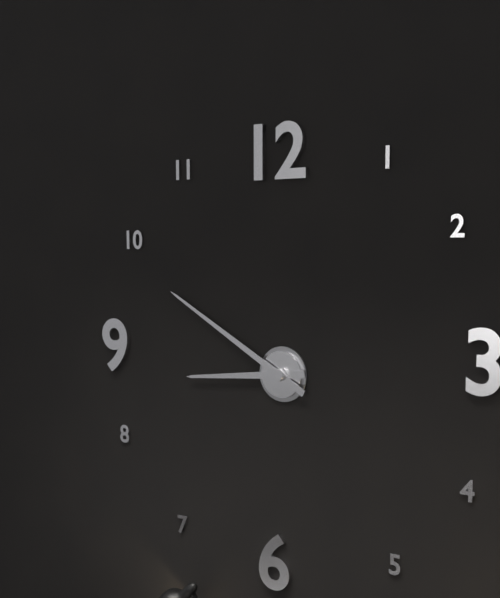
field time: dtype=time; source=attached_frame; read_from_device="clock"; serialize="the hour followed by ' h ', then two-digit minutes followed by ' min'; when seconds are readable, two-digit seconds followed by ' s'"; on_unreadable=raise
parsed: 8 h 50 min
